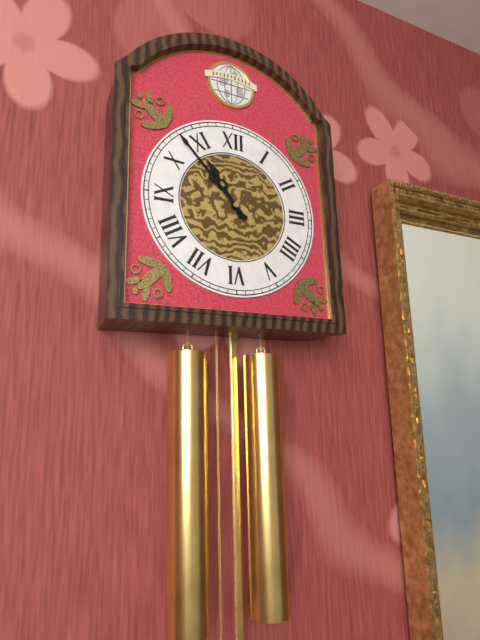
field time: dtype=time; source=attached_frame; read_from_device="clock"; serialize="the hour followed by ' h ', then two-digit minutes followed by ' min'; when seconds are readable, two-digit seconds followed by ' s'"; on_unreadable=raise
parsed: 10 h 53 min
